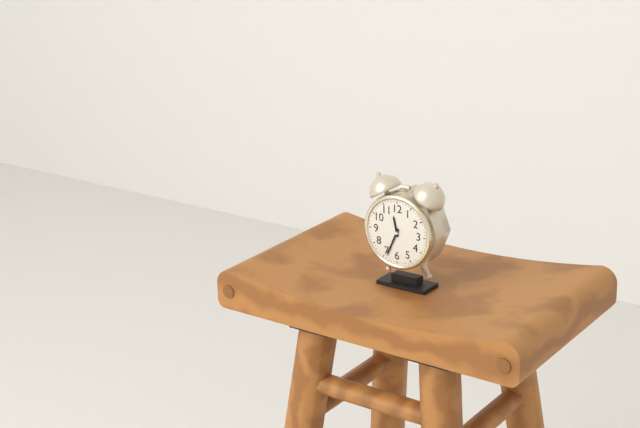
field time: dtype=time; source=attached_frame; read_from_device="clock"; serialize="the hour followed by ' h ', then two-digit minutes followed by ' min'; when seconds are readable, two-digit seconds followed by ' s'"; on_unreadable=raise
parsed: 11 h 34 min
